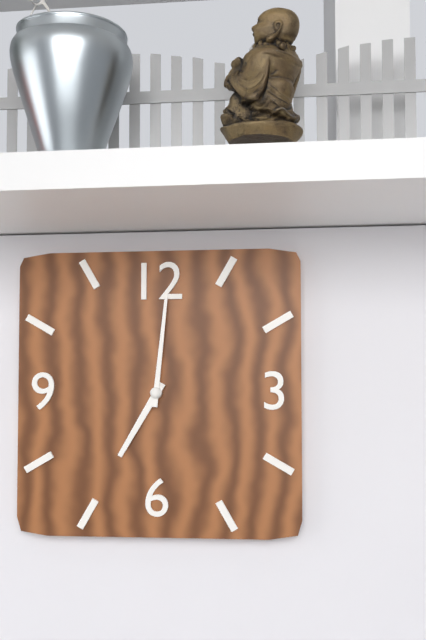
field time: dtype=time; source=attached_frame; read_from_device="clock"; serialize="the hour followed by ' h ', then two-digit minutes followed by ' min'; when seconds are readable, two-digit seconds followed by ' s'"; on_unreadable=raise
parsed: 7 h 01 min
